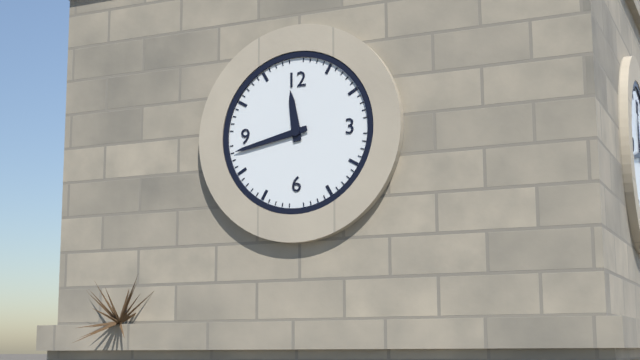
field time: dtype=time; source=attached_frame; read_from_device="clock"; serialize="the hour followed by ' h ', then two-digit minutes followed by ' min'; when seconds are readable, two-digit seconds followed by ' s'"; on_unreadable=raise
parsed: 11 h 43 min
